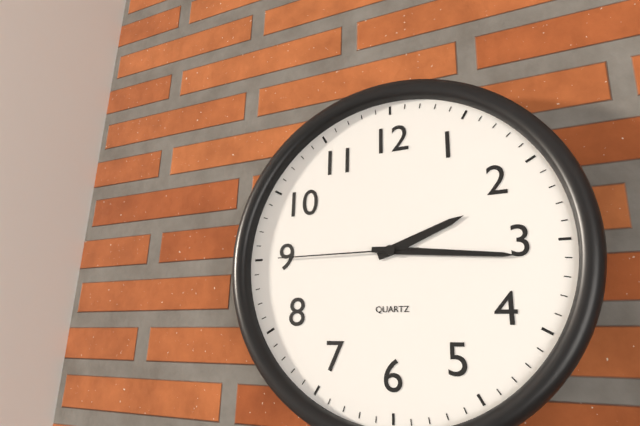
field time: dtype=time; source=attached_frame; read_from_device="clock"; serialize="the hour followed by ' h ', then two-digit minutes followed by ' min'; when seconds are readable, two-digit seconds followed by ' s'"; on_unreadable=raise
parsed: 2 h 16 min 45 s
